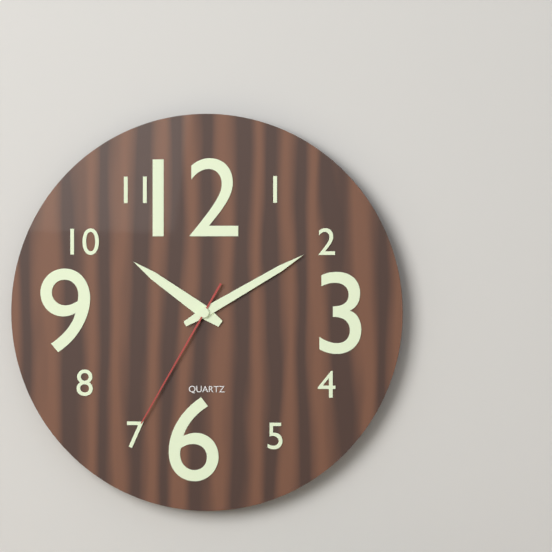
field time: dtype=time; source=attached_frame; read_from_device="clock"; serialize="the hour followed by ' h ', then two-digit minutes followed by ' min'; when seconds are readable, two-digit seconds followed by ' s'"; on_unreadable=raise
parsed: 10 h 10 min 35 s
